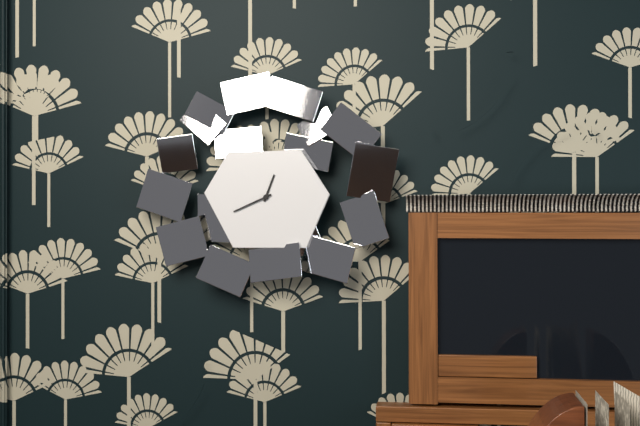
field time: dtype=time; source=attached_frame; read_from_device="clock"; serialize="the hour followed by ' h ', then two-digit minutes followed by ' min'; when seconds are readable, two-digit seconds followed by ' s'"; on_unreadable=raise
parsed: 12 h 41 min
